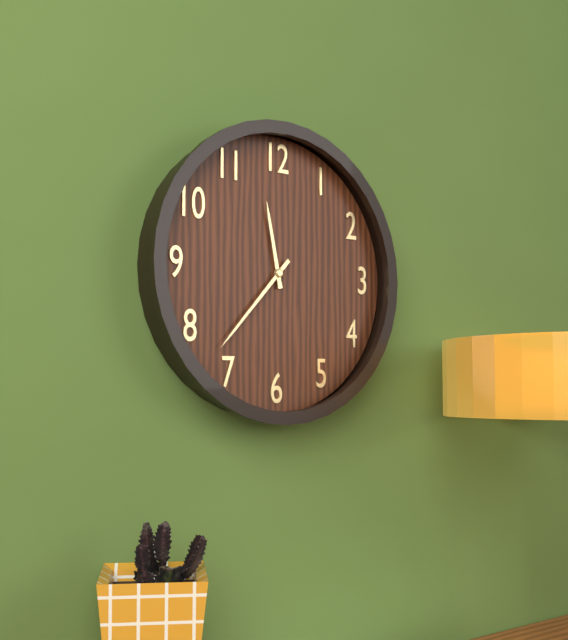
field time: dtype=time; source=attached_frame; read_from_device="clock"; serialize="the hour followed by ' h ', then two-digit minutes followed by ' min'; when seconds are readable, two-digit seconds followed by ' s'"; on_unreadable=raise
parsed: 11 h 37 min
